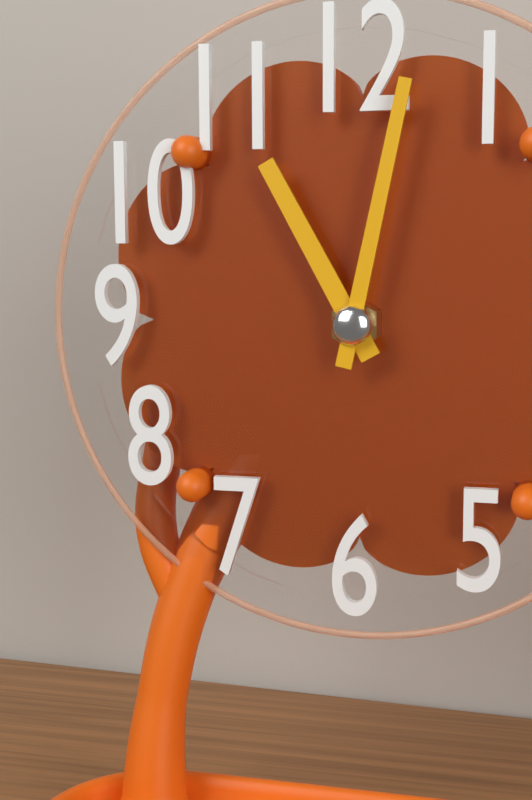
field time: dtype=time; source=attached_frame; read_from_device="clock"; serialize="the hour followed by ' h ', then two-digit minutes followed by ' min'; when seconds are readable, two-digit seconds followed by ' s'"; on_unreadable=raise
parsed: 11 h 02 min
